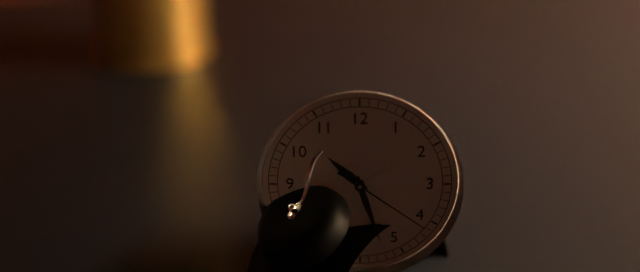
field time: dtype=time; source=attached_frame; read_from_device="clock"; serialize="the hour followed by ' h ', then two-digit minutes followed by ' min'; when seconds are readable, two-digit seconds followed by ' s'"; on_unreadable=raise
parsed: 10 h 27 min 21 s
